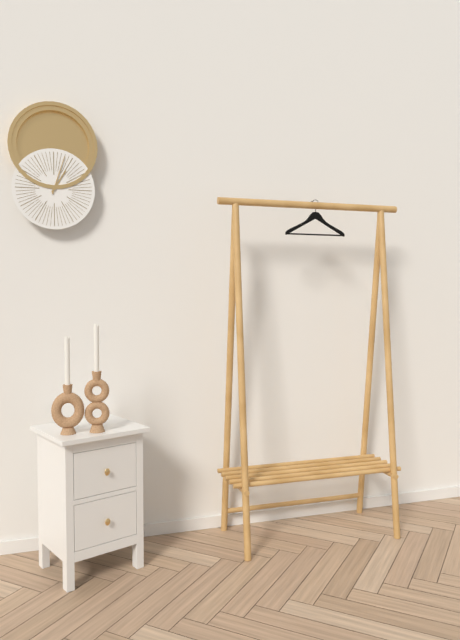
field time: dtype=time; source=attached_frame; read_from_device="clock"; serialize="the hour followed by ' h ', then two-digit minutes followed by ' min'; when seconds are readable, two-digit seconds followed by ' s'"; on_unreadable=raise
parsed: 1 h 03 min
